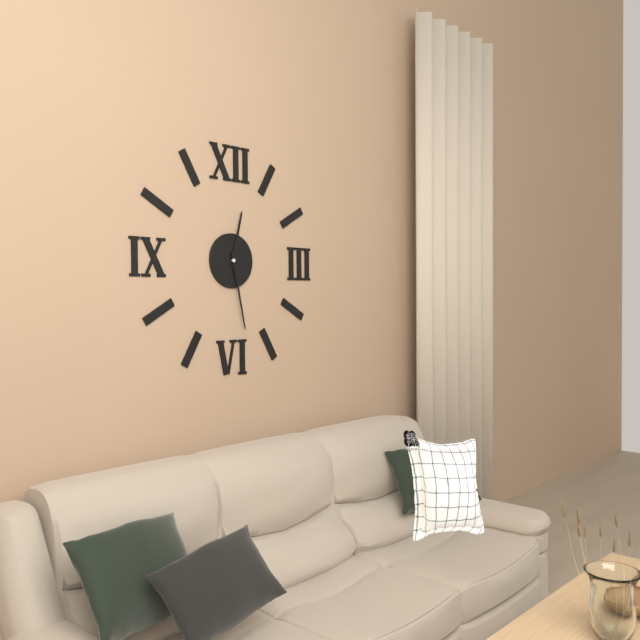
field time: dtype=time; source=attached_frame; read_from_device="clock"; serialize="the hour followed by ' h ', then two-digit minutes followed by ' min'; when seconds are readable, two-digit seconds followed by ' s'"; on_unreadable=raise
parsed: 12 h 28 min
